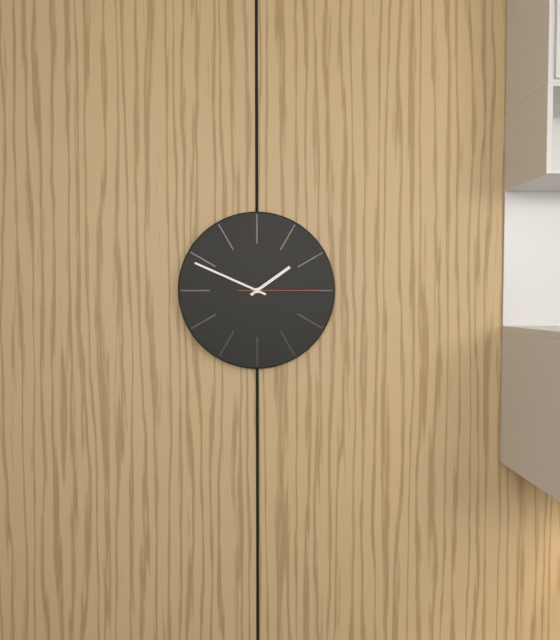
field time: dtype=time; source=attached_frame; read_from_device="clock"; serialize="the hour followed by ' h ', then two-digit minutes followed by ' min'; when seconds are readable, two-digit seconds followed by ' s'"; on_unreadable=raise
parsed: 1 h 49 min 15 s
